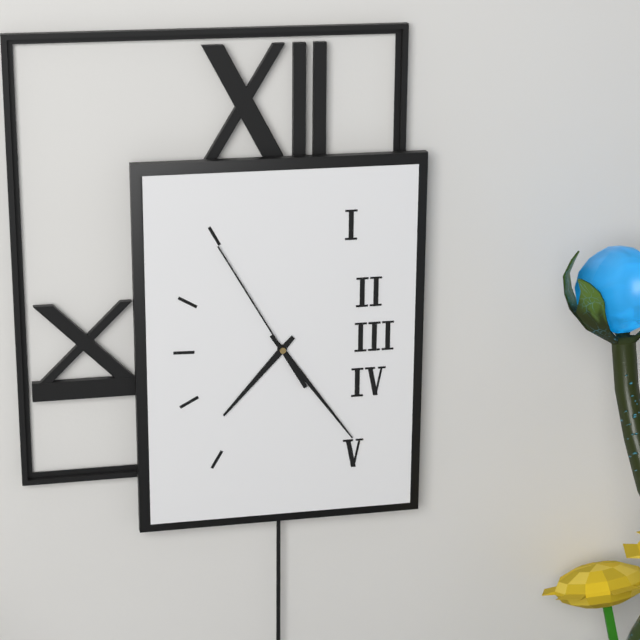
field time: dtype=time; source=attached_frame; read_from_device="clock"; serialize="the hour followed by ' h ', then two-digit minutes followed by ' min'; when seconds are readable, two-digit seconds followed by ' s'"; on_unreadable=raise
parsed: 7 h 24 min 55 s
